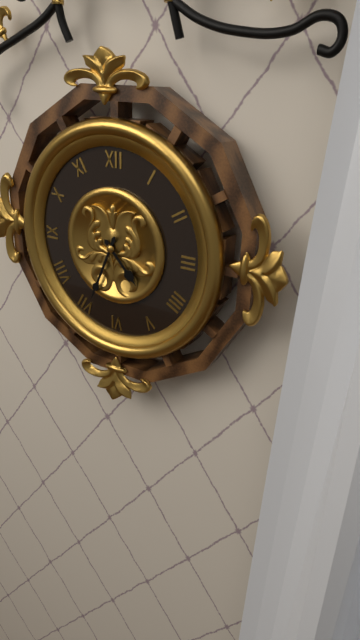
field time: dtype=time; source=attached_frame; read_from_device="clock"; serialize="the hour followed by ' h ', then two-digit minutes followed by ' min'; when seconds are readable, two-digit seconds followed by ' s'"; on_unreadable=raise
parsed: 4 h 34 min
